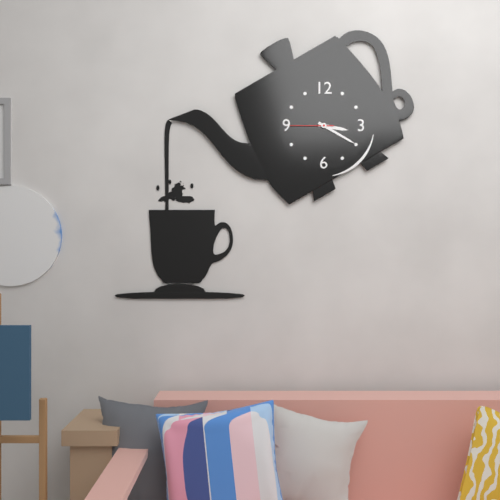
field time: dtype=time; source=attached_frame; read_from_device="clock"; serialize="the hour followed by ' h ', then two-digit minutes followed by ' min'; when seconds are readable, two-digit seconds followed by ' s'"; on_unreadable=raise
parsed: 3 h 20 min
